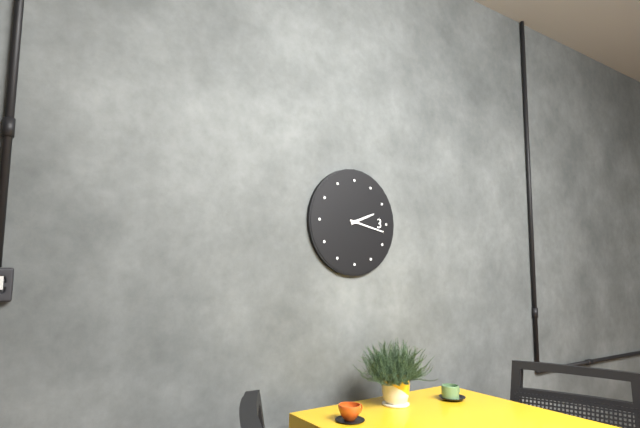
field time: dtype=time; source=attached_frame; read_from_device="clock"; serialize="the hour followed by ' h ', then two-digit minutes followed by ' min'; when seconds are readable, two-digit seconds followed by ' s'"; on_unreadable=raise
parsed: 2 h 17 min
